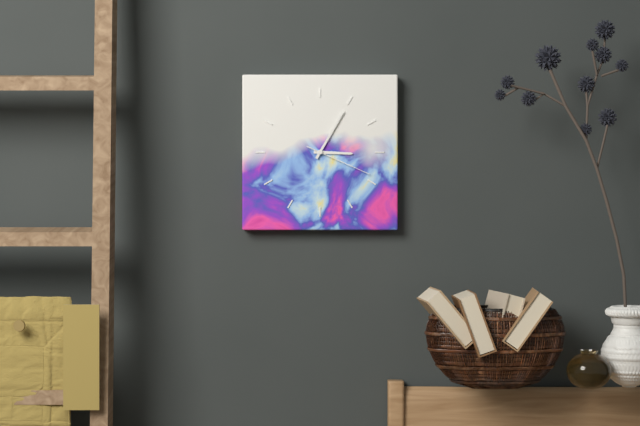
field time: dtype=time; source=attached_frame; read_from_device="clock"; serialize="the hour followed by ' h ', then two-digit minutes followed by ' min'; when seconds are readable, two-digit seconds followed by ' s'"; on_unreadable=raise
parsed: 3 h 05 min 19 s
